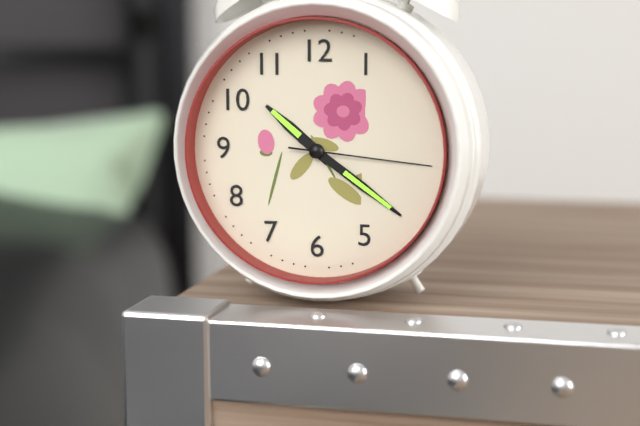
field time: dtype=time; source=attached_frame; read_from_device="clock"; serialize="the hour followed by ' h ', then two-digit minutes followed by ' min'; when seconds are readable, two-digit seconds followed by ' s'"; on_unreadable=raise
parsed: 10 h 21 min 16 s
